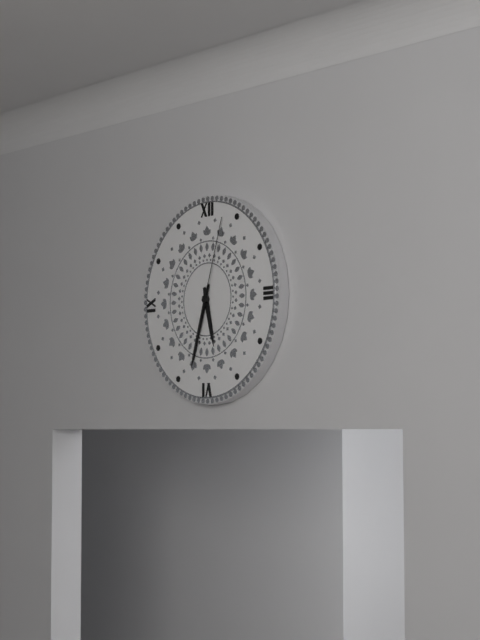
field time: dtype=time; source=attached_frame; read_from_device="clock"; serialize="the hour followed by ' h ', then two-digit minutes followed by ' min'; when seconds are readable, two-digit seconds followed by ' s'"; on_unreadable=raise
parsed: 5 h 33 min 03 s
